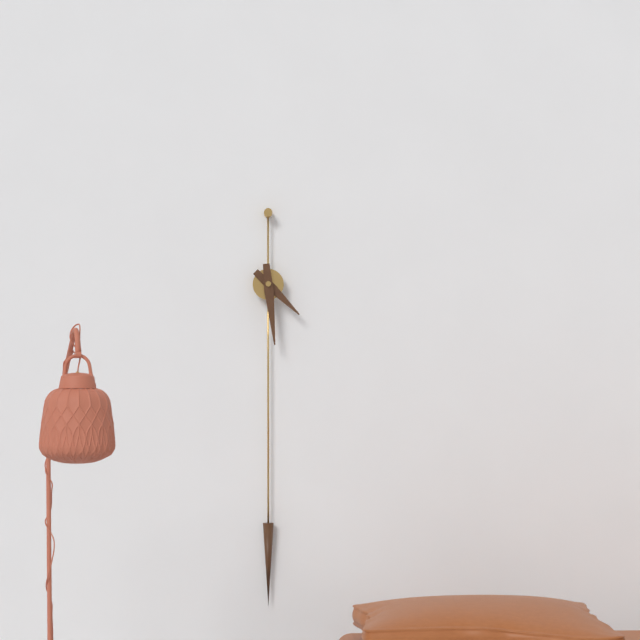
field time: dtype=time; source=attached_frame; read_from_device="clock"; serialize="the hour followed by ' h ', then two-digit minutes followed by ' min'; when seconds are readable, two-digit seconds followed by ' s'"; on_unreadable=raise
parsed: 4 h 29 min
